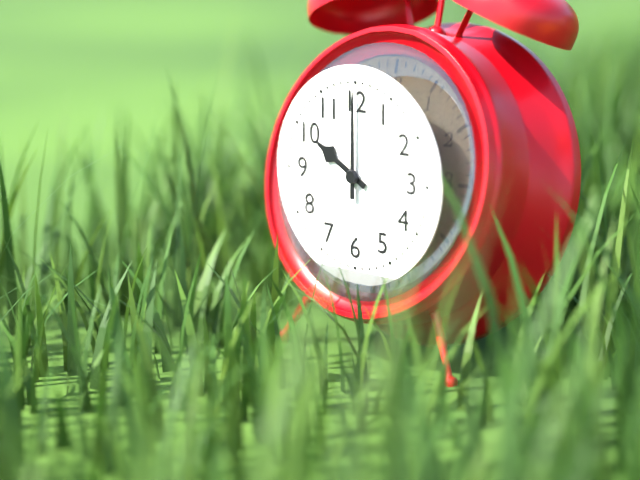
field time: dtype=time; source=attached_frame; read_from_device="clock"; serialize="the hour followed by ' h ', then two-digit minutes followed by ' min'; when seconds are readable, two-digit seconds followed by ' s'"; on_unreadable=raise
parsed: 10 h 00 min
